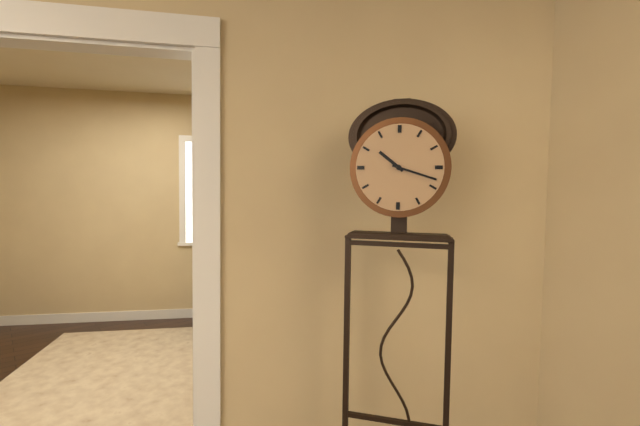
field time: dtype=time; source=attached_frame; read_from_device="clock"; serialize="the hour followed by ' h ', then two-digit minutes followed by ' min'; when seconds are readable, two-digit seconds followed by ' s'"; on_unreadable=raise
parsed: 10 h 18 min
